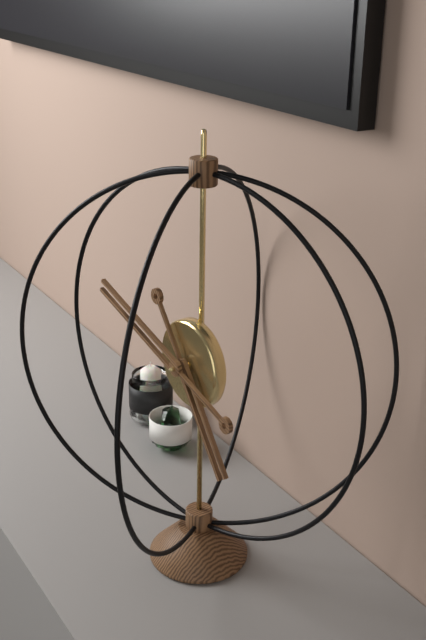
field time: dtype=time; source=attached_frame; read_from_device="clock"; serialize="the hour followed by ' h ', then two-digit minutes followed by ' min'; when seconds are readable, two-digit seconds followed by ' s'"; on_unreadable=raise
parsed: 4 h 48 min
